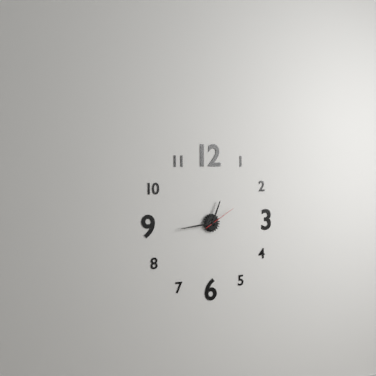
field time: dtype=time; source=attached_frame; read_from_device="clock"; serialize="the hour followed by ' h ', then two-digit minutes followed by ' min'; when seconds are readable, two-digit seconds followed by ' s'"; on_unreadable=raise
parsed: 12 h 44 min
